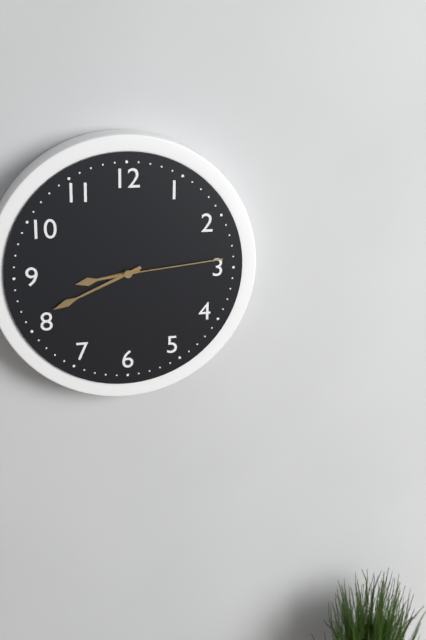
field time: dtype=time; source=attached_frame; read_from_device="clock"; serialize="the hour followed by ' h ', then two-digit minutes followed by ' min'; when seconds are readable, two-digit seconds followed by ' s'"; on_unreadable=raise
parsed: 8 h 41 min 14 s
